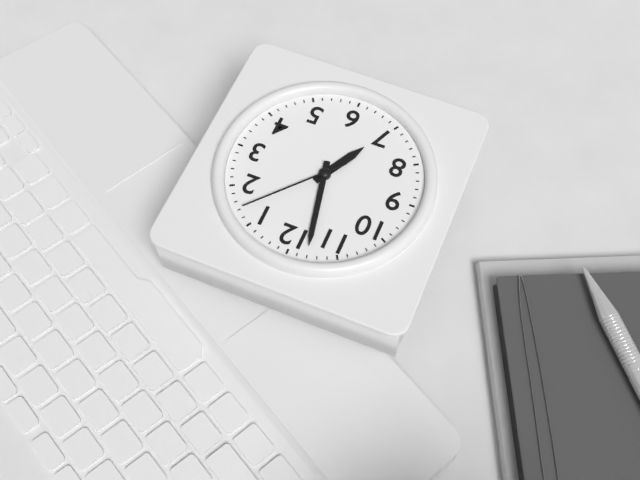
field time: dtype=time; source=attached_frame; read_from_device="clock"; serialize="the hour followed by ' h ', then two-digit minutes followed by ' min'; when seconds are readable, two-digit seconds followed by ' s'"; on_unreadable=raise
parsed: 6 h 58 min 07 s
